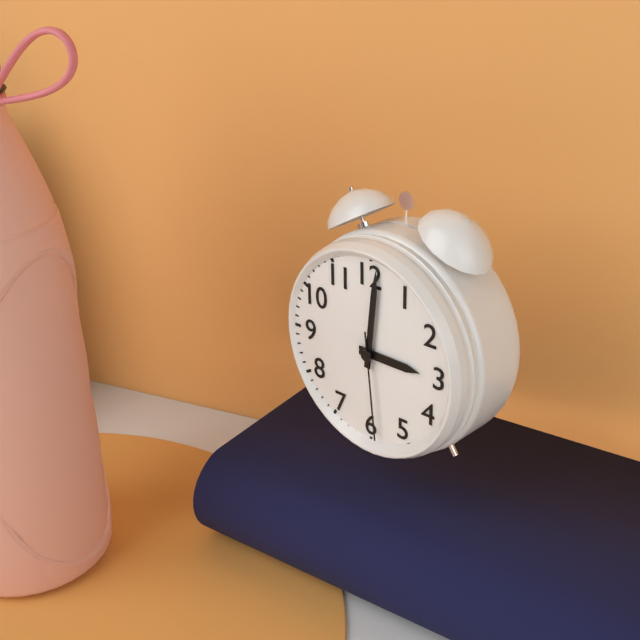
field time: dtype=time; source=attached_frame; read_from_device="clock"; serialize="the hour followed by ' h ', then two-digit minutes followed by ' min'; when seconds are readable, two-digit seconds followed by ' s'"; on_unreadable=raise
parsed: 3 h 01 min 29 s
